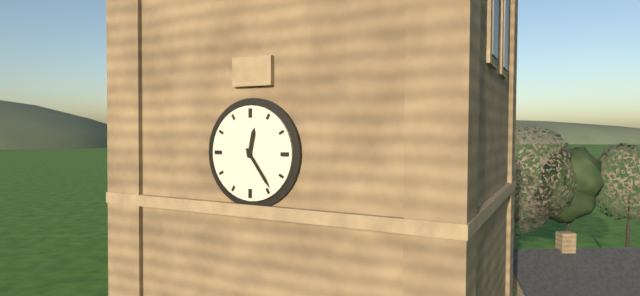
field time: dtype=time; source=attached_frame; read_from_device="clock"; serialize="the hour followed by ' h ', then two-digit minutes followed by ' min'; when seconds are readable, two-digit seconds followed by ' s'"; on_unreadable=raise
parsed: 12 h 24 min
